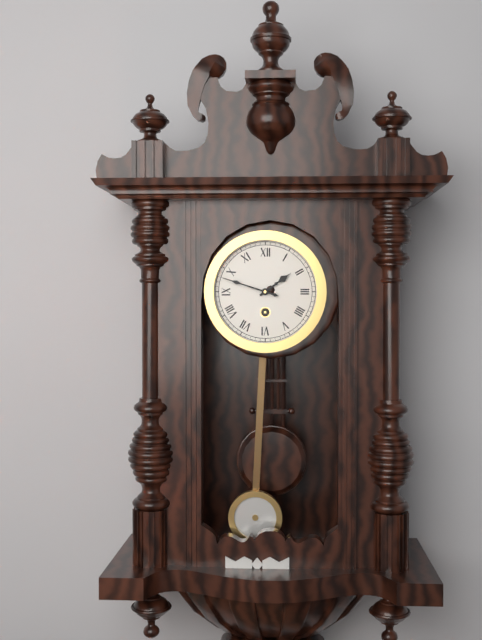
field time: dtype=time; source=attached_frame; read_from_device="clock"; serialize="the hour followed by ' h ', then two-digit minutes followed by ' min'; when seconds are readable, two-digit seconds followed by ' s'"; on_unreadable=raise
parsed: 1 h 48 min
